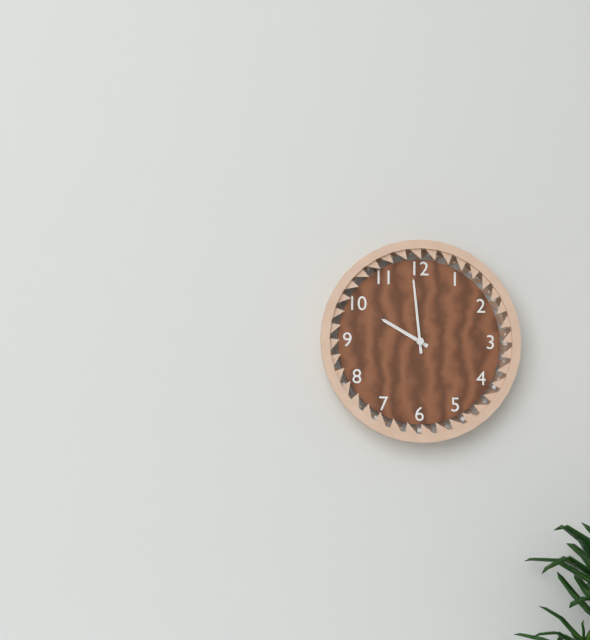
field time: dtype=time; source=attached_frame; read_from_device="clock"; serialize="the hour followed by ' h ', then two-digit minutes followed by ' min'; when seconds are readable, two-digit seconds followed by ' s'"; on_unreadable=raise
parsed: 9 h 59 min
